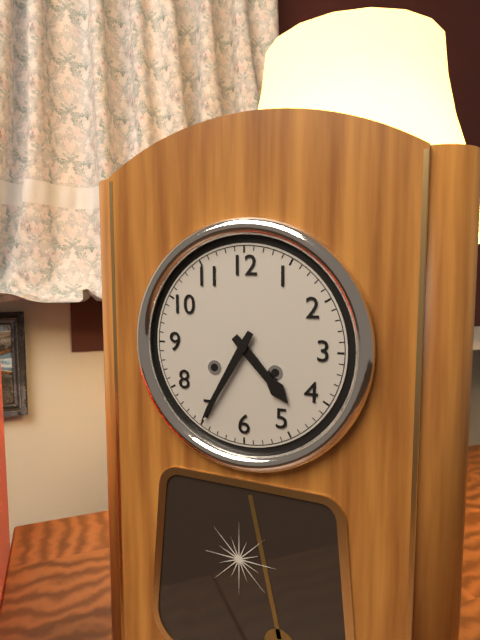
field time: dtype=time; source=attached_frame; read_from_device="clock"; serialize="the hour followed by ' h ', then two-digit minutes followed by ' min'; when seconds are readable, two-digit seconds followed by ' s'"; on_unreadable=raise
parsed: 4 h 35 min
